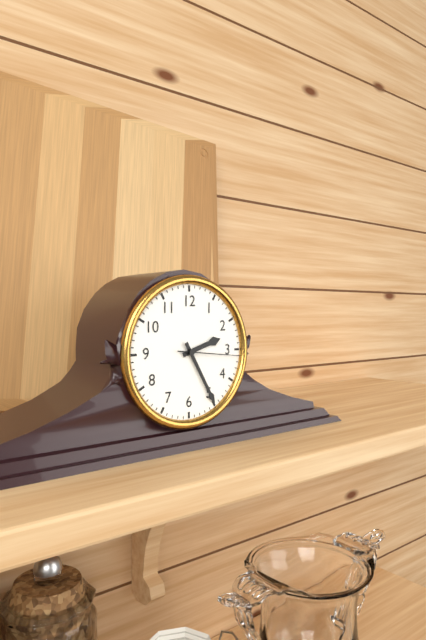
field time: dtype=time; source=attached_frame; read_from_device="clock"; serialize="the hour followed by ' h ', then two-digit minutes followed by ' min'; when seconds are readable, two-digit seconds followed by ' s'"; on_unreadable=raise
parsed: 2 h 25 min 16 s
